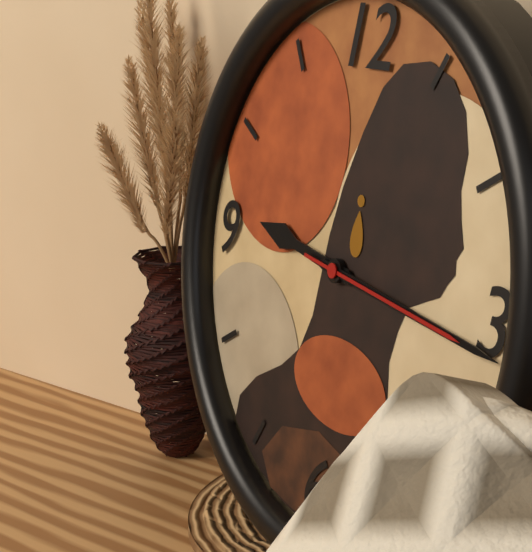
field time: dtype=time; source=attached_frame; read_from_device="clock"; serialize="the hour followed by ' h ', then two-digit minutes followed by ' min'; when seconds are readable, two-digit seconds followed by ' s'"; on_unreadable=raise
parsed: 9 h 16 min 16 s
